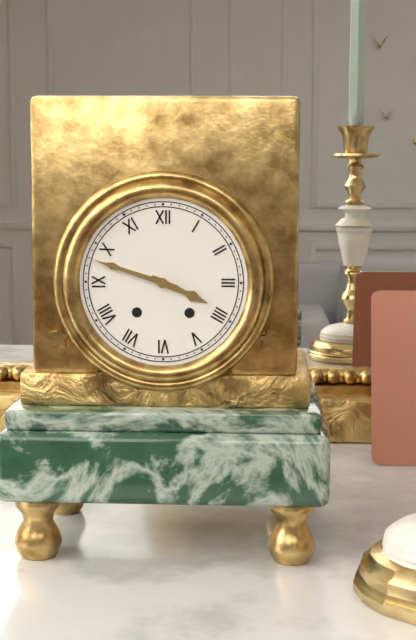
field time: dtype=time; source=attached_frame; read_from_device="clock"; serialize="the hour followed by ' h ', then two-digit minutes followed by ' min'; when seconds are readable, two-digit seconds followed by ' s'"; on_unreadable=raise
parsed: 3 h 48 min
